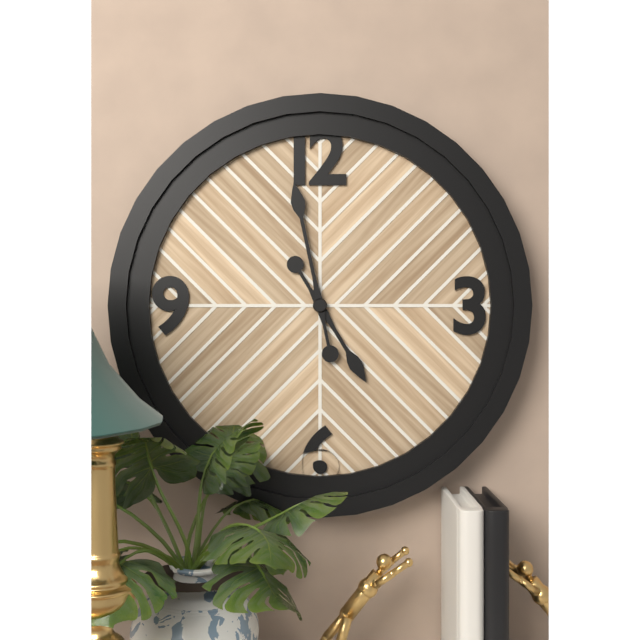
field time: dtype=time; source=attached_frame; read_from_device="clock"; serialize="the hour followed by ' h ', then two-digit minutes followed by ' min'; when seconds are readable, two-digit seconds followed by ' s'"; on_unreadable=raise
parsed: 4 h 58 min
